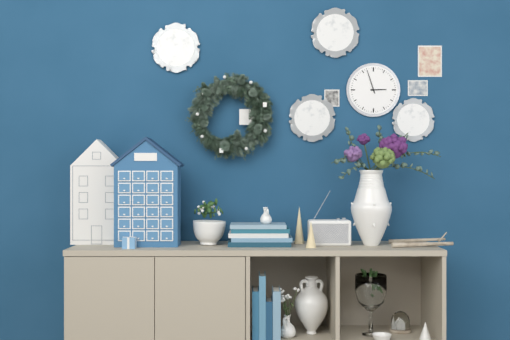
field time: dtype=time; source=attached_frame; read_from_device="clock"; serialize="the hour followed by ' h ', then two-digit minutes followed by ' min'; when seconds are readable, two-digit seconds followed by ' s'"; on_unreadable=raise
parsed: 2 h 57 min
